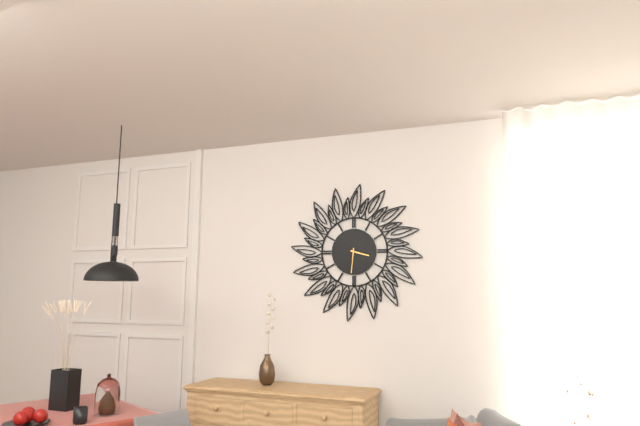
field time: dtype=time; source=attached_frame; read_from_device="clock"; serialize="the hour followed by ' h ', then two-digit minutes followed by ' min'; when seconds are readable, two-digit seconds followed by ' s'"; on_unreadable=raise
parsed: 3 h 31 min
